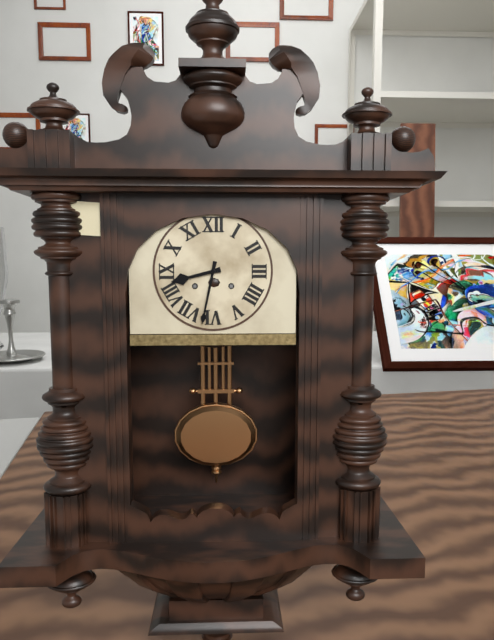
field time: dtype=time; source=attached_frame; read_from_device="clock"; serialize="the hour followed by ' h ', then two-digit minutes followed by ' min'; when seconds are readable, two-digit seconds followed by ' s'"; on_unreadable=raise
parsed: 8 h 32 min
